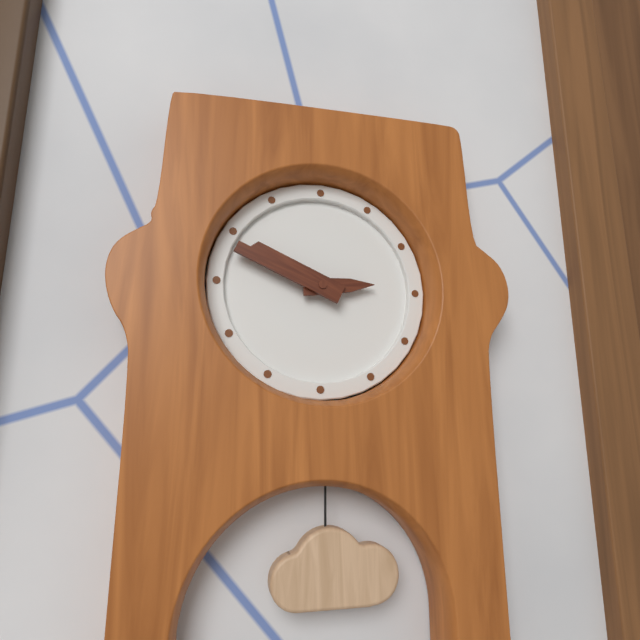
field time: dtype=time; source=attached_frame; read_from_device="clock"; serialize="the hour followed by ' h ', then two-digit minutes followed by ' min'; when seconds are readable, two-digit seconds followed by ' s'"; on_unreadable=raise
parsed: 2 h 49 min
